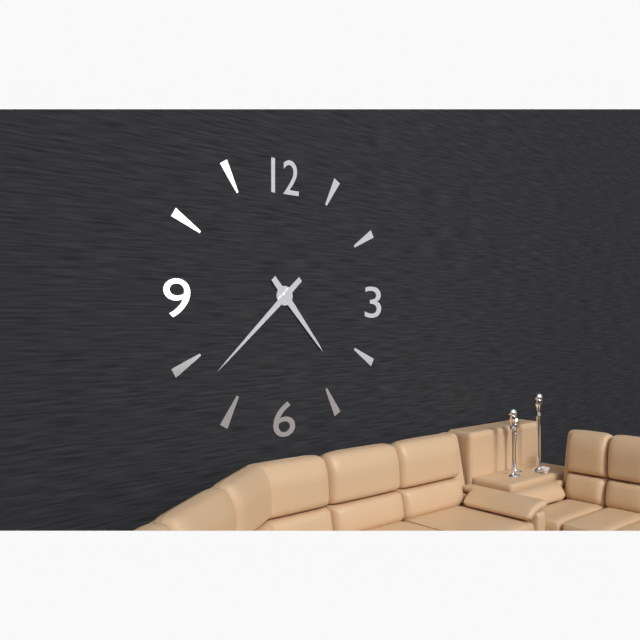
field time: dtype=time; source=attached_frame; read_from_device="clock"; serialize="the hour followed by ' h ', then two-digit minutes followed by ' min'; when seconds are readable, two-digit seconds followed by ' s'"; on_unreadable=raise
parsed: 4 h 38 min
